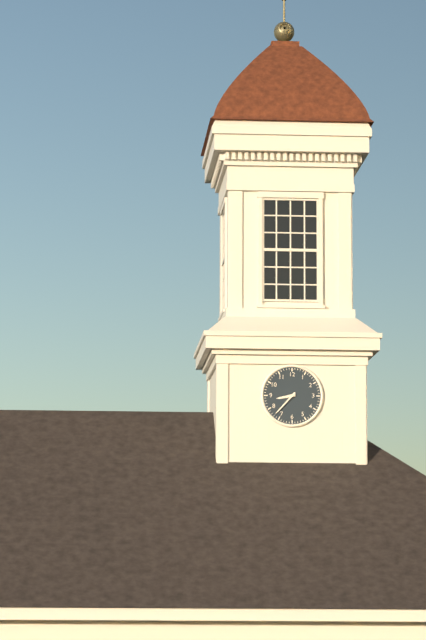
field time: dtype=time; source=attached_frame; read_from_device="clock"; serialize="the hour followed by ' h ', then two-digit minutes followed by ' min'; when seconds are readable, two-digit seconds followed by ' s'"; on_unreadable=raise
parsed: 8 h 37 min
